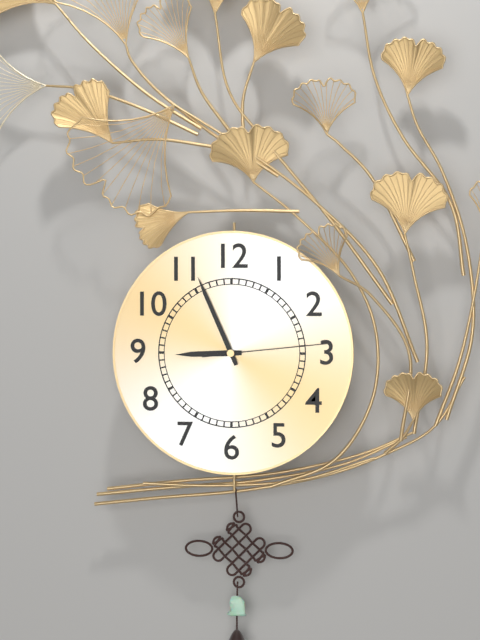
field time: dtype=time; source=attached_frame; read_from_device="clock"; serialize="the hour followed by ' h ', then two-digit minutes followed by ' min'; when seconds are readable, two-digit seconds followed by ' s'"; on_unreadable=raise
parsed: 8 h 56 min 14 s
